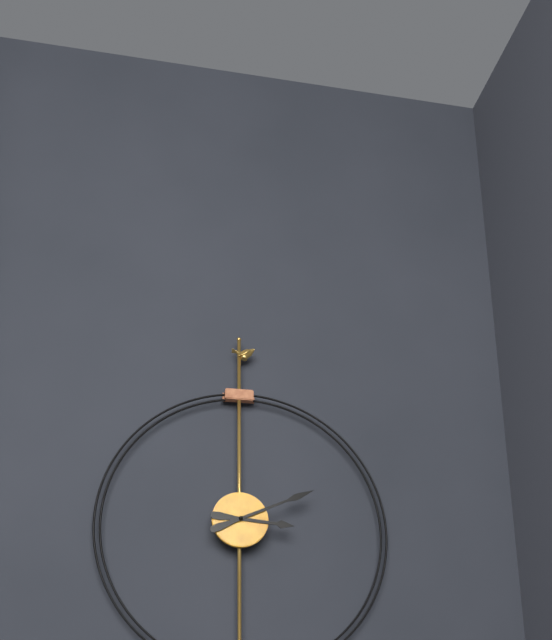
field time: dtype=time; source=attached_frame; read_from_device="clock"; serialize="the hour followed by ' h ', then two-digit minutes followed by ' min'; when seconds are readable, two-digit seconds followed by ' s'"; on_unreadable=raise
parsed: 3 h 11 min
